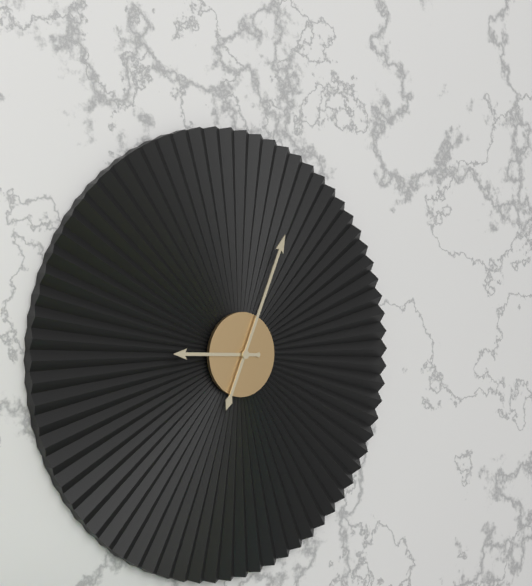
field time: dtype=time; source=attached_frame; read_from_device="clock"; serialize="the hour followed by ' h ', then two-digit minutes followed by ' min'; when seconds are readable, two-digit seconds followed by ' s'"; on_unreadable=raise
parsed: 9 h 04 min
